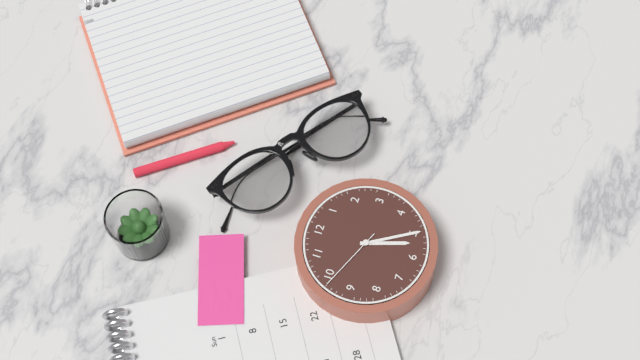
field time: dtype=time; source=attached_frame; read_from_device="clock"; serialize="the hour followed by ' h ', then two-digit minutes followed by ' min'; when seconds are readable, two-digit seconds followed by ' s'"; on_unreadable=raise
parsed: 5 h 25 min 49 s
